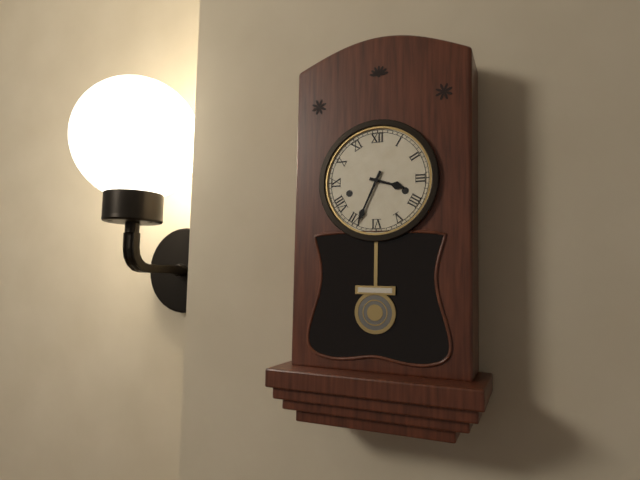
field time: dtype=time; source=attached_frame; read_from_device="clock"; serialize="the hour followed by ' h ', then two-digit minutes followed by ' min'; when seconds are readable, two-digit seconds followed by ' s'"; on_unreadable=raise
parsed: 3 h 34 min
